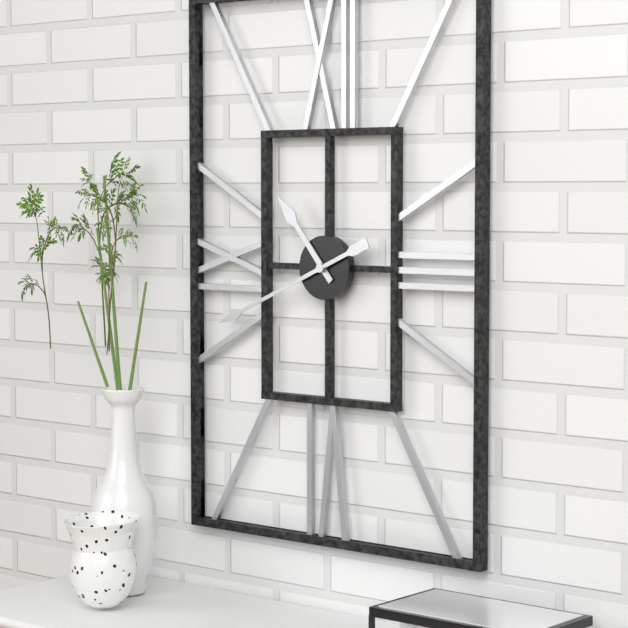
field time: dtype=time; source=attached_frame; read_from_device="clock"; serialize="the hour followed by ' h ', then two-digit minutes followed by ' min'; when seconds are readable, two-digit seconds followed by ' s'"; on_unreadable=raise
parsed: 10 h 41 min
